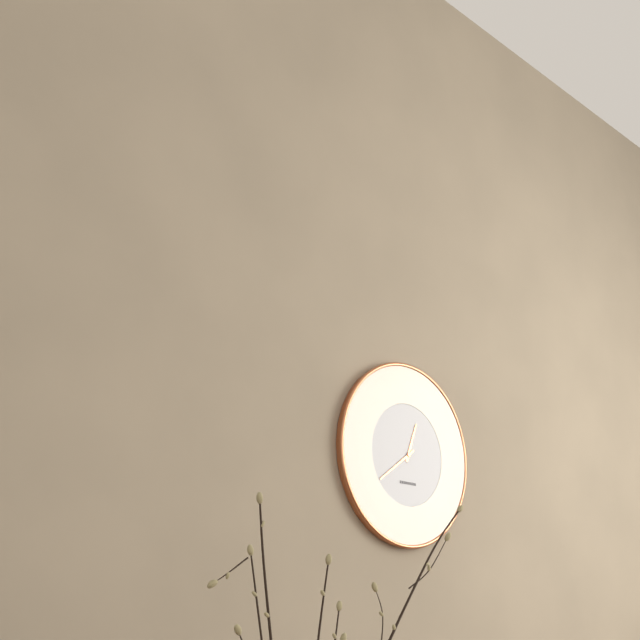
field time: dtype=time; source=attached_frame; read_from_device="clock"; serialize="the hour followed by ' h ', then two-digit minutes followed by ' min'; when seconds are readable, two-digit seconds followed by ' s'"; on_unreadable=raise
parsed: 12 h 39 min
